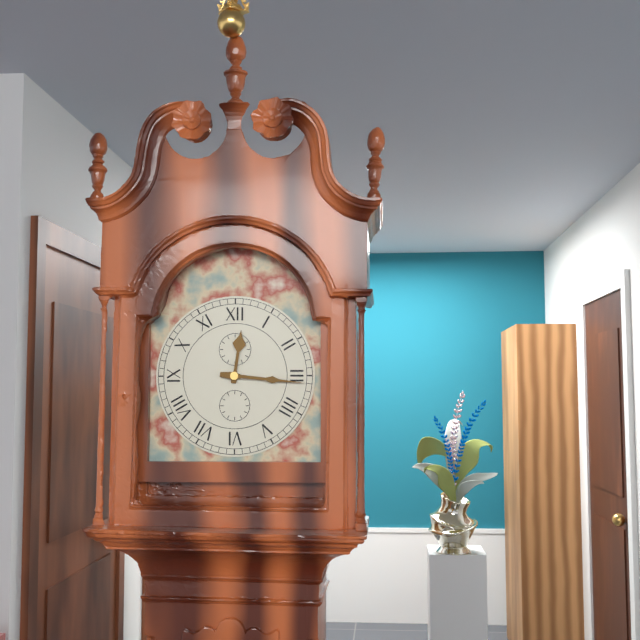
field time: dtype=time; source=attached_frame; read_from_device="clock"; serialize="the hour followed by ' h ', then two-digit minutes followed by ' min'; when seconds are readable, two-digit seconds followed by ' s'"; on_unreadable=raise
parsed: 12 h 16 min
